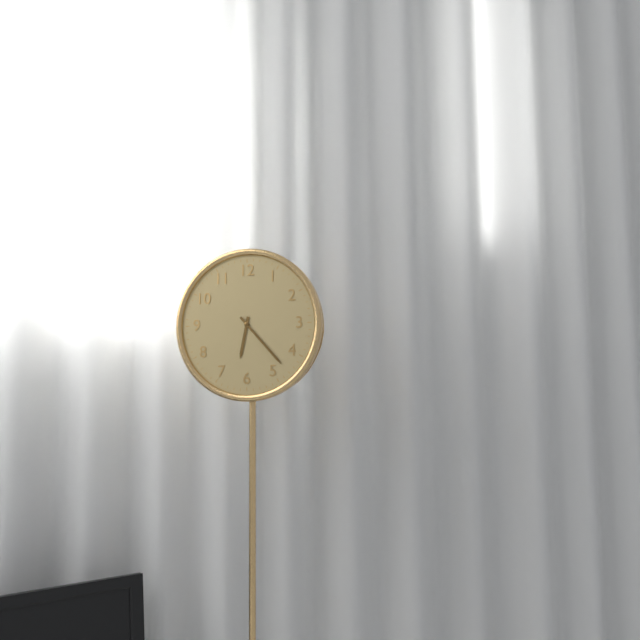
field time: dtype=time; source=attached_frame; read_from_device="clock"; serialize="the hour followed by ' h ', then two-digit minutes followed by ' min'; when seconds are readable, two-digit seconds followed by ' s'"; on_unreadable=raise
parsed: 6 h 23 min
